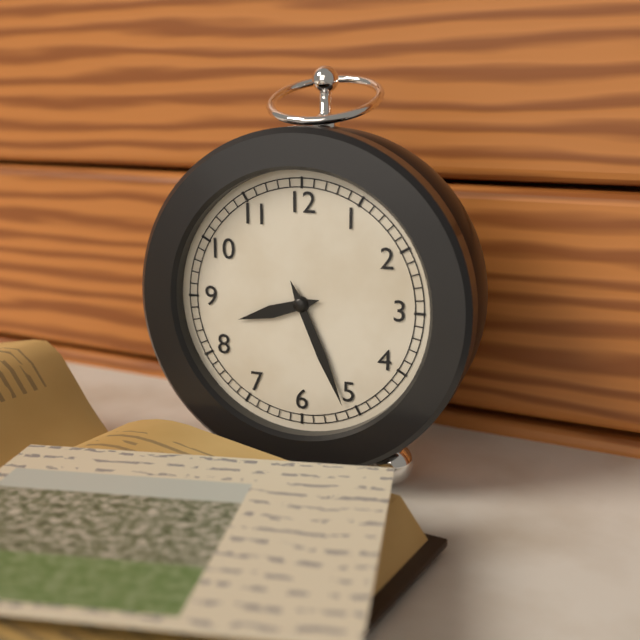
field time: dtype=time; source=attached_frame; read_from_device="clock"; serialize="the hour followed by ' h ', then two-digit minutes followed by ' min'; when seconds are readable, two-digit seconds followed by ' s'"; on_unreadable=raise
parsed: 8 h 26 min
